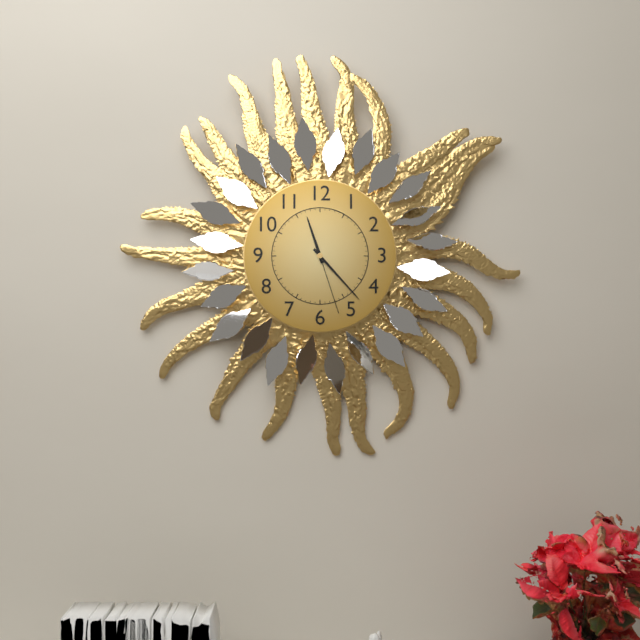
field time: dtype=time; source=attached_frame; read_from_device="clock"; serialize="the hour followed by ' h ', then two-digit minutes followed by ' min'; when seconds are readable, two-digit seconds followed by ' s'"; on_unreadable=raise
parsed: 11 h 23 min 27 s
